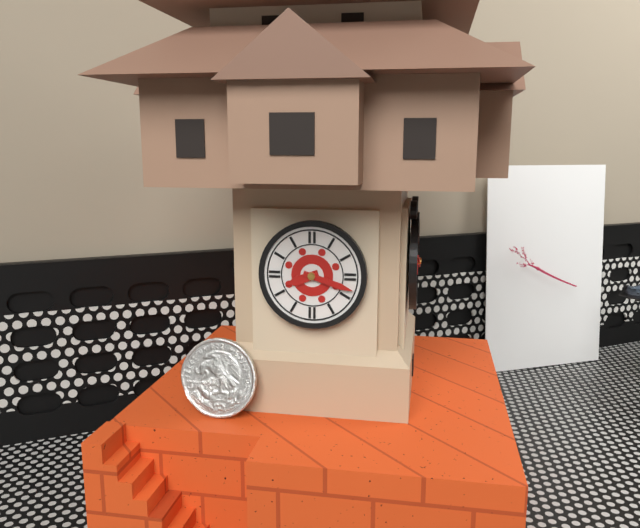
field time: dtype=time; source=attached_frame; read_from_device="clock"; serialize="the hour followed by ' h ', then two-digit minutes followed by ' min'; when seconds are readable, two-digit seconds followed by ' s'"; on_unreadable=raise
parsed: 8 h 18 min
